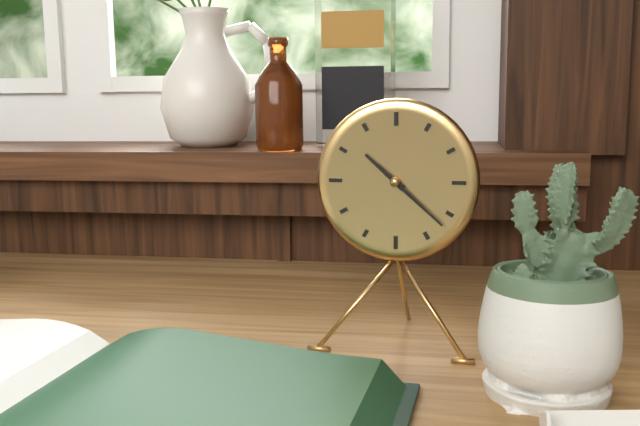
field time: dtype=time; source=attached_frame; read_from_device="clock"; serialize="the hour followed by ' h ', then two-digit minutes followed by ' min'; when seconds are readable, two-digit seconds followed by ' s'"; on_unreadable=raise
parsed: 10 h 22 min
